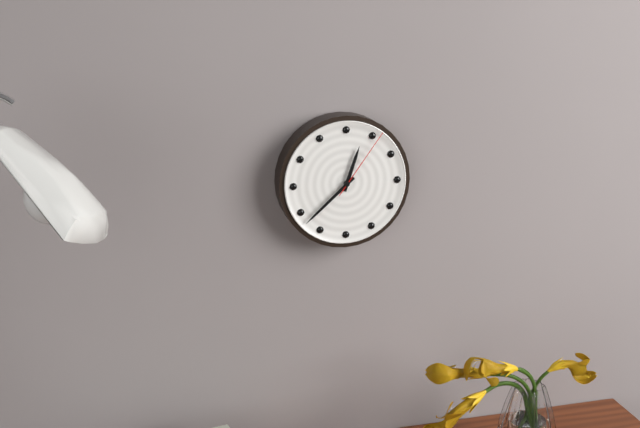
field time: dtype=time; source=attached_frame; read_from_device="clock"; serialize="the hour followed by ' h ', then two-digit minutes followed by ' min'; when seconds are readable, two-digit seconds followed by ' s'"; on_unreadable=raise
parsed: 12 h 38 min 06 s
